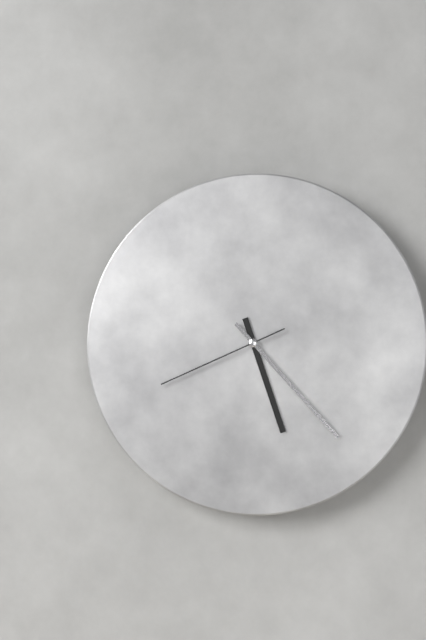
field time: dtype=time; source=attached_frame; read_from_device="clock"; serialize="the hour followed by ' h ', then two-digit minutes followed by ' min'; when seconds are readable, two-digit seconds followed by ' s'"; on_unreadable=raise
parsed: 5 h 23 min 41 s
